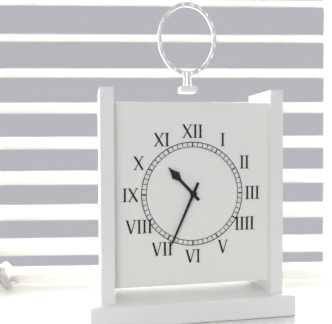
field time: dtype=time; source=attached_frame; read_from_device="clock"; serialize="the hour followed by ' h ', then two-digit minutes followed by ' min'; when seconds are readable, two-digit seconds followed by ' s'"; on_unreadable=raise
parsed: 10 h 34 min
